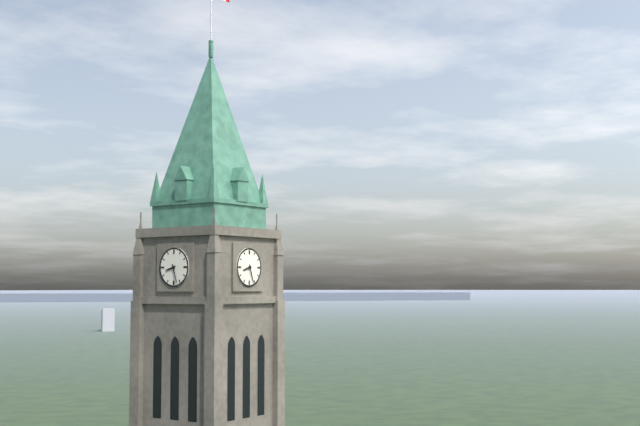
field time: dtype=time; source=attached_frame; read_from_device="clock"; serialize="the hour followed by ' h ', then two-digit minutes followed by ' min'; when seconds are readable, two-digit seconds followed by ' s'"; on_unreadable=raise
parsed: 8 h 27 min
